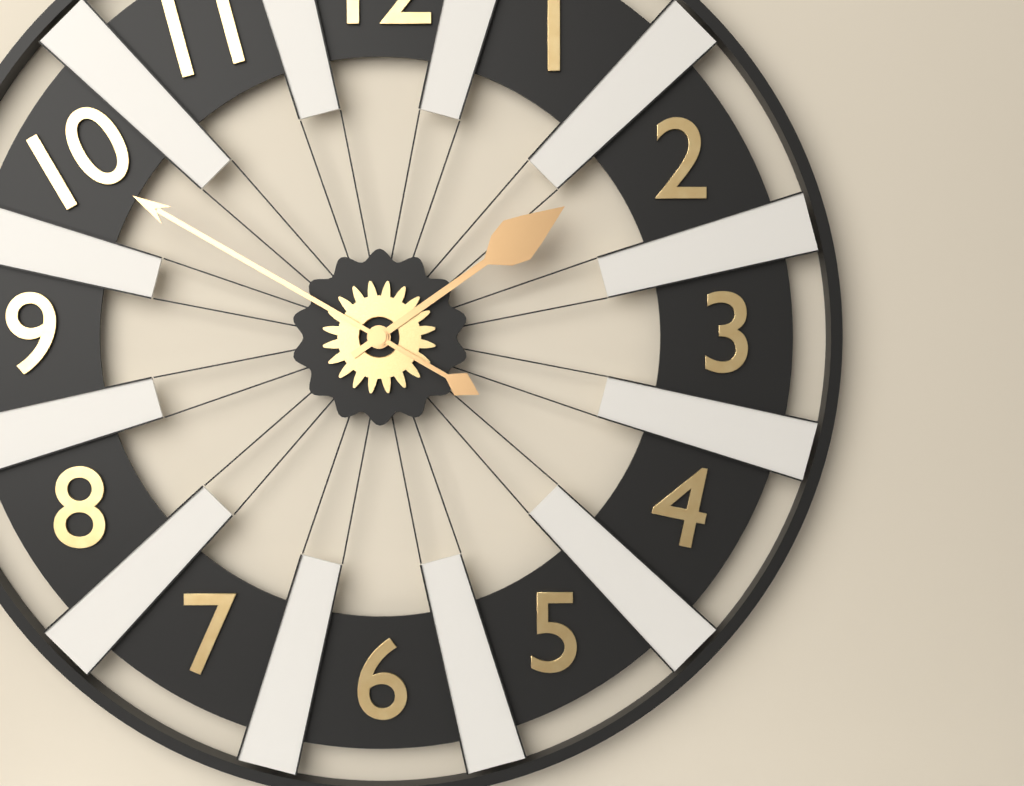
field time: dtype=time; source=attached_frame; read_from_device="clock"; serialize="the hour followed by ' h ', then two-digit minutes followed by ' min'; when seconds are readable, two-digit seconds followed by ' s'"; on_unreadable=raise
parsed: 1 h 50 min
